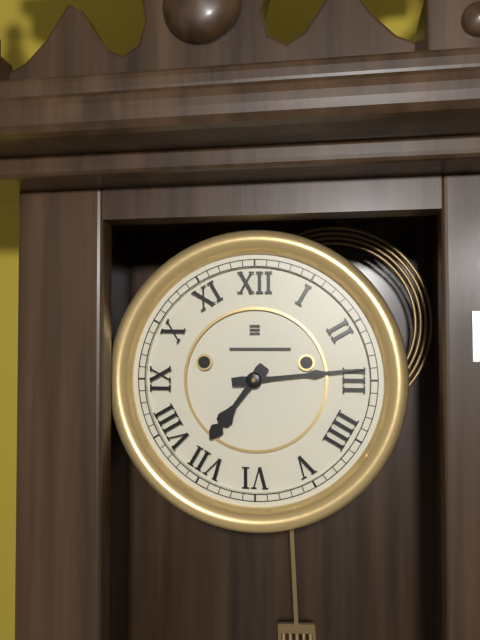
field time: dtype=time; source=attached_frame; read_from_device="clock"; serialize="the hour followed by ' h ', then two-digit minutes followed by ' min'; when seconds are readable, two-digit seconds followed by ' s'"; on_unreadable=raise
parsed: 7 h 14 min
